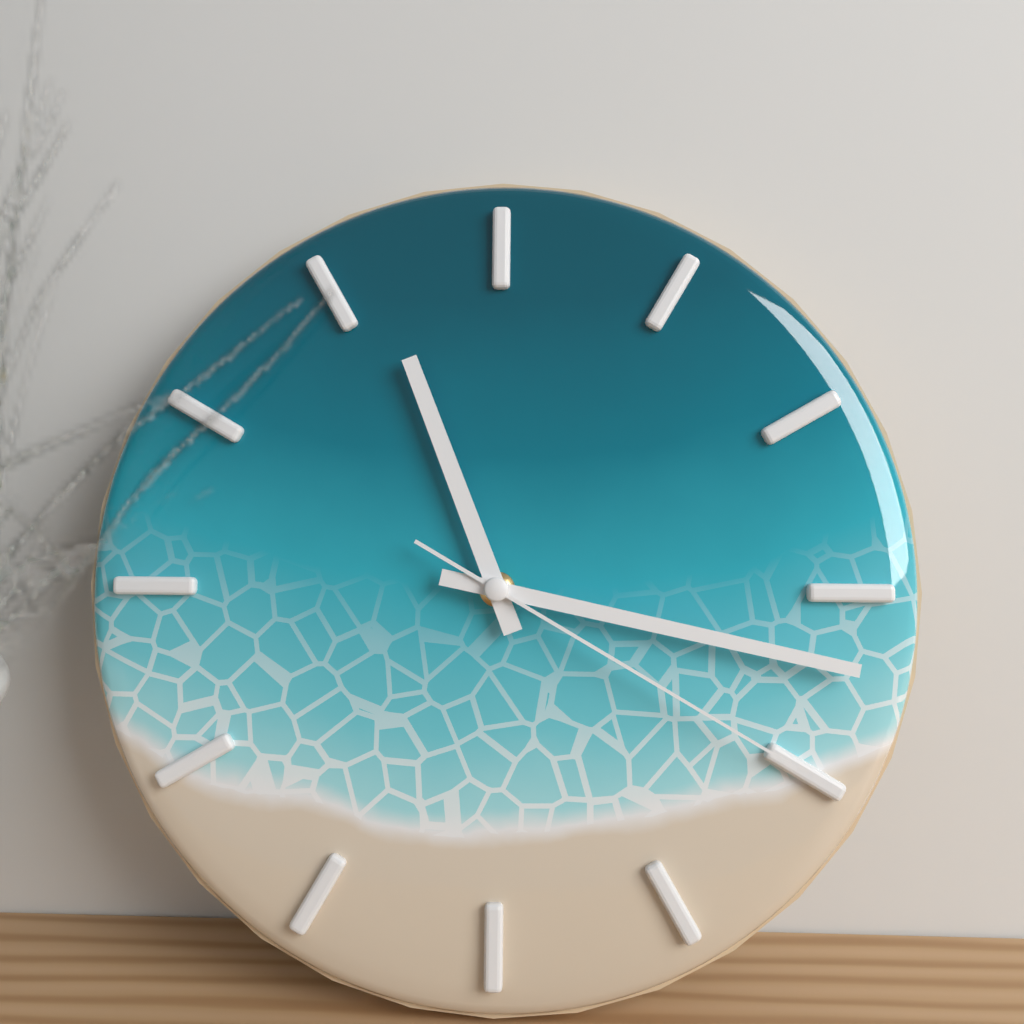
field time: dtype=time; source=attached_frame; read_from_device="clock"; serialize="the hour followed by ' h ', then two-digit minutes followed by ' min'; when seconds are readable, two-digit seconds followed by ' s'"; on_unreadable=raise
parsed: 11 h 17 min 20 s
